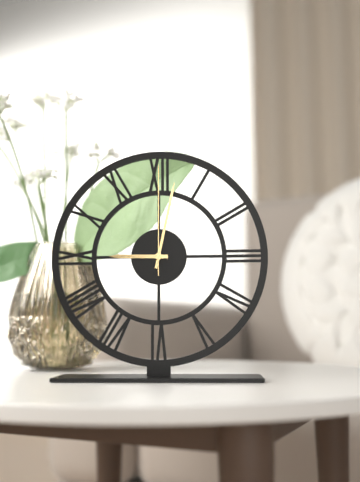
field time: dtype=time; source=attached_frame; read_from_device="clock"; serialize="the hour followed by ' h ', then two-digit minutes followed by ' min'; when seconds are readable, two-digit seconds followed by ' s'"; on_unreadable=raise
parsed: 9 h 02 min 00 s
